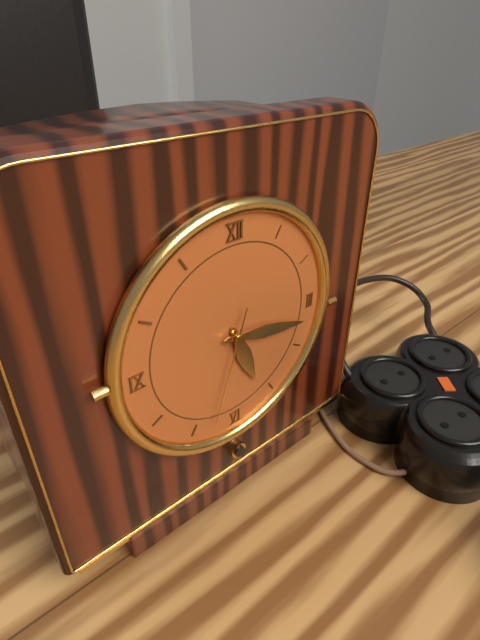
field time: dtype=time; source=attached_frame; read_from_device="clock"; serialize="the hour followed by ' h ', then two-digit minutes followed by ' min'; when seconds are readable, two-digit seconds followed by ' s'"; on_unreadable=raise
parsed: 5 h 17 min 33 s
